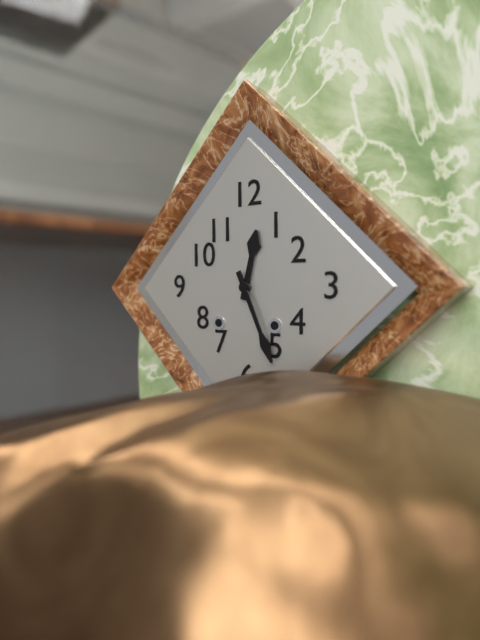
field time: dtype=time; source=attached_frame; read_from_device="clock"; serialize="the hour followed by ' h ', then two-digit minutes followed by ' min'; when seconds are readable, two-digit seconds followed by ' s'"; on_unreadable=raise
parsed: 12 h 26 min
